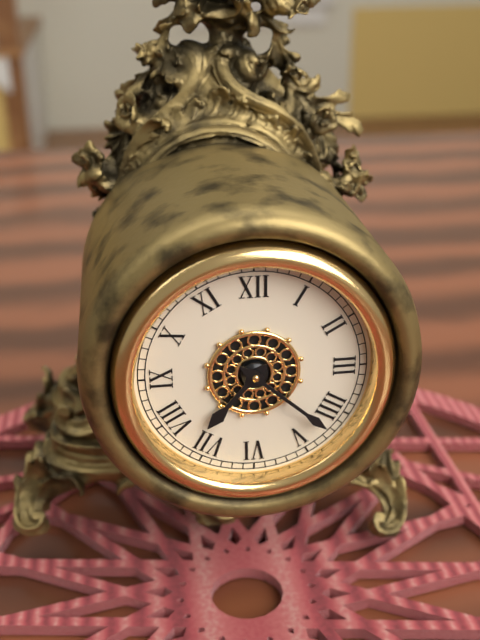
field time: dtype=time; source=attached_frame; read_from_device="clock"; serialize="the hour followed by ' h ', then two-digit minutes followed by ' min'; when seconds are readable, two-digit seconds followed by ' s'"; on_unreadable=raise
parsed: 7 h 22 min
